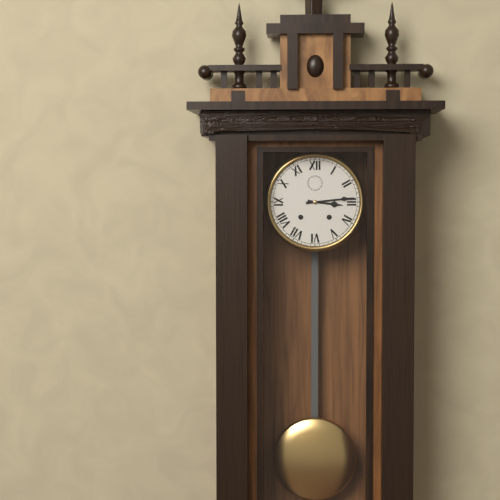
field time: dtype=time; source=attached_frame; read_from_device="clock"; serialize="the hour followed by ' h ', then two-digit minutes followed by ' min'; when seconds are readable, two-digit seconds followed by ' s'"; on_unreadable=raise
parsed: 3 h 14 min
